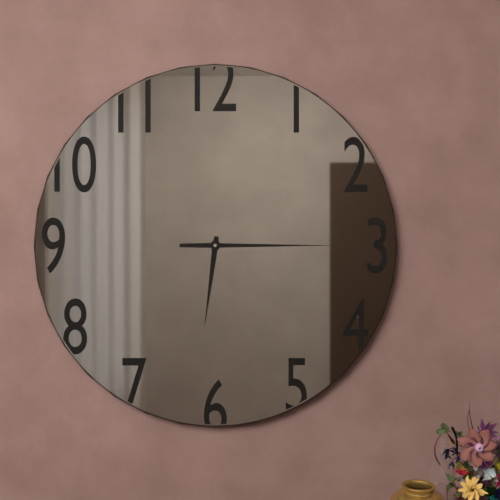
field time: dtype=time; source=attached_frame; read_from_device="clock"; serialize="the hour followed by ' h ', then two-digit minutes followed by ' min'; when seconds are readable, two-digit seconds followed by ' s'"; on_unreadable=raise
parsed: 6 h 15 min
